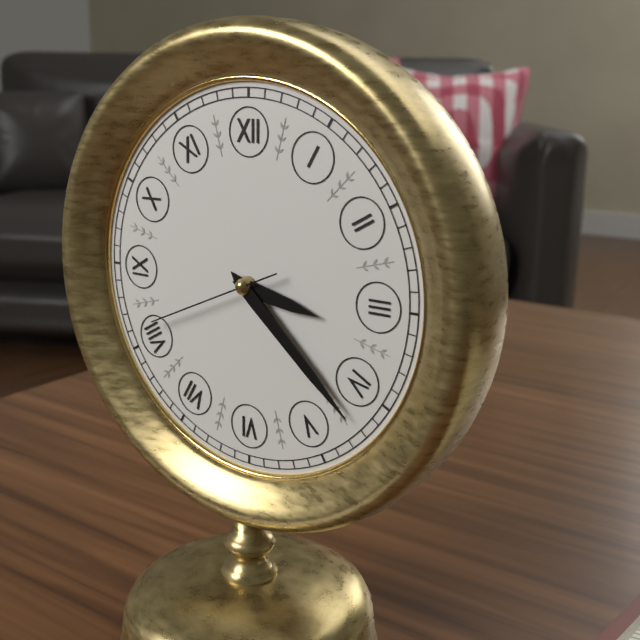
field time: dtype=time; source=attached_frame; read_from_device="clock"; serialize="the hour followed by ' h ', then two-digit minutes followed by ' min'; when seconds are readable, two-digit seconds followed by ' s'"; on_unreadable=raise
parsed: 3 h 22 min 41 s
